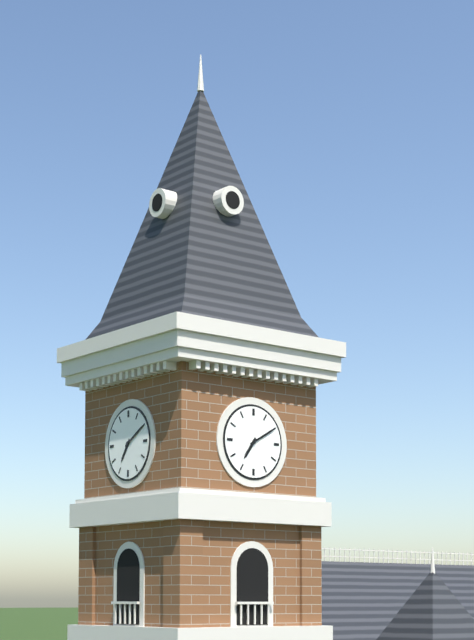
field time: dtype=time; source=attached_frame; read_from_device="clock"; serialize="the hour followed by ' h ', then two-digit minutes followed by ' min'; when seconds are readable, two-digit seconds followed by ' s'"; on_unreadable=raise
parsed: 7 h 10 min
